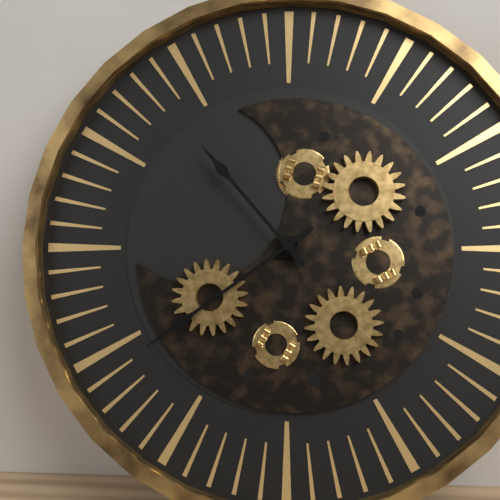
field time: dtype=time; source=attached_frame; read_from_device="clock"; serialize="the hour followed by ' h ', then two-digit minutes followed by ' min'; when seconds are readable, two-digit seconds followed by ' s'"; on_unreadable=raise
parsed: 10 h 39 min
